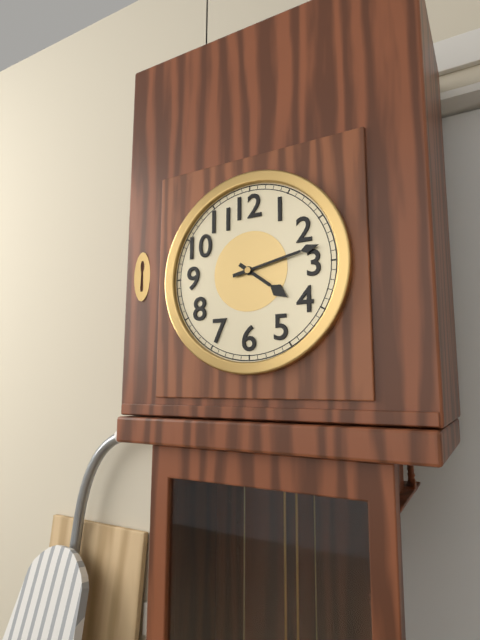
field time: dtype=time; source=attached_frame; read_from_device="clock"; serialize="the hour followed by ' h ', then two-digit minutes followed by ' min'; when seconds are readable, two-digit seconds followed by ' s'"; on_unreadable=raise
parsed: 4 h 13 min
